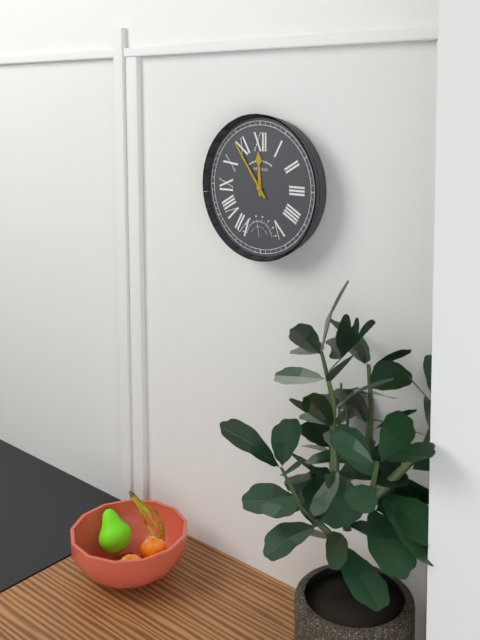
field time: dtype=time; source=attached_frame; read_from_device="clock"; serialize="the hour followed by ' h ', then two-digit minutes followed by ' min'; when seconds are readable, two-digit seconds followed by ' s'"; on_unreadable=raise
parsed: 11 h 54 min
